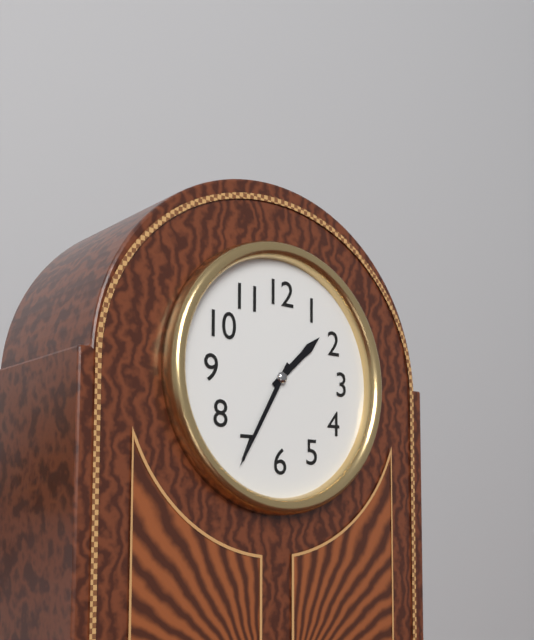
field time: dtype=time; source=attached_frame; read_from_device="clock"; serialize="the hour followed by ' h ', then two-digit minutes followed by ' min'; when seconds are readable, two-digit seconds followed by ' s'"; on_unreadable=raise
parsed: 1 h 35 min
